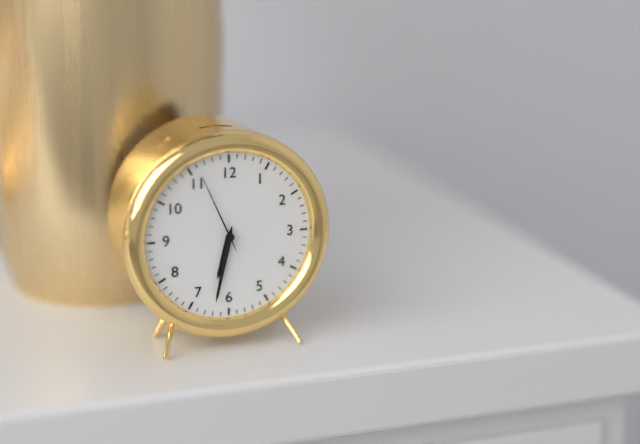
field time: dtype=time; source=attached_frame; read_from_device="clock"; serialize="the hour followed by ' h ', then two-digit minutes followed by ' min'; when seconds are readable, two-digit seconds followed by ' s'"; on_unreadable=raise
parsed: 6 h 32 min 56 s
